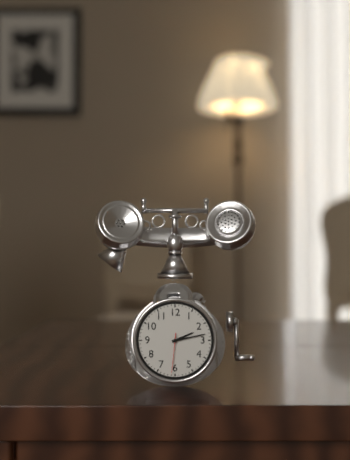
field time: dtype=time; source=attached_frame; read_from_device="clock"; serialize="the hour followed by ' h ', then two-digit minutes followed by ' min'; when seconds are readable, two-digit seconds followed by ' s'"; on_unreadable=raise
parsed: 2 h 13 min
